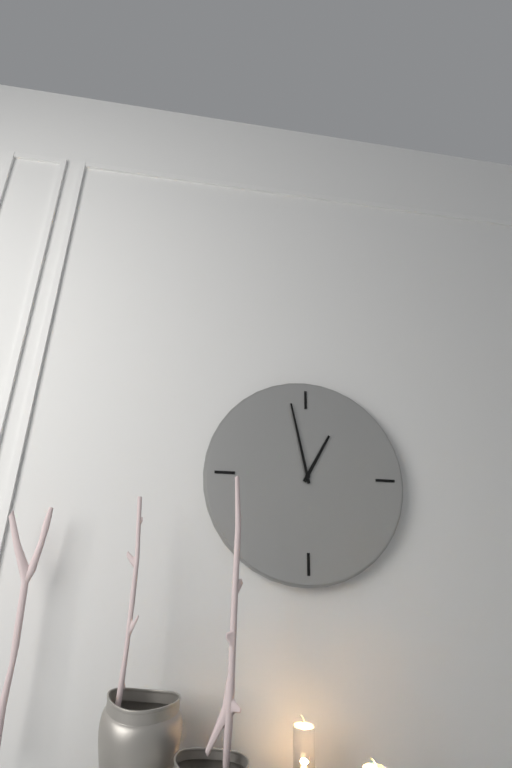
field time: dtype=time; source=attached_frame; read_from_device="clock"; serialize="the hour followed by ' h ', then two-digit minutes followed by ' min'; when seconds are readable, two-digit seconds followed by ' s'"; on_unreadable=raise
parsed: 12 h 58 min
